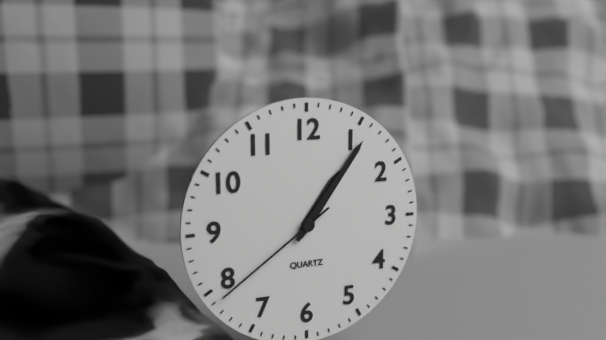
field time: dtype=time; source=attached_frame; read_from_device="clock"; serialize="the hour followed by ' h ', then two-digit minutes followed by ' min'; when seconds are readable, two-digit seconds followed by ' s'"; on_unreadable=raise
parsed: 1 h 06 min 39 s
